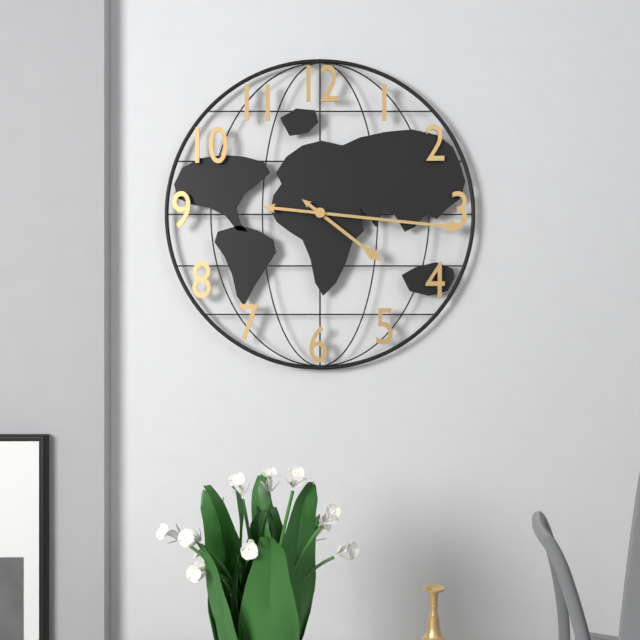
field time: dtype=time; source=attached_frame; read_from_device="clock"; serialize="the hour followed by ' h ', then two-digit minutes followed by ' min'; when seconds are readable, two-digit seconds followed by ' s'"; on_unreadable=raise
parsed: 4 h 16 min
